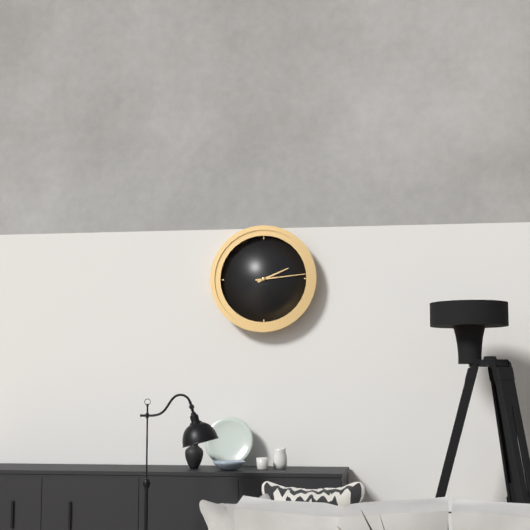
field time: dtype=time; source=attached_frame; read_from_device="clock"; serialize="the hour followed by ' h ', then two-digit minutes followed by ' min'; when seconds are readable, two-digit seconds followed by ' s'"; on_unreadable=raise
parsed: 2 h 14 min
